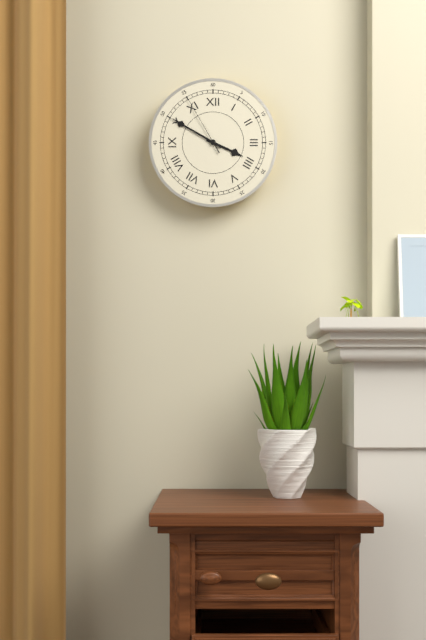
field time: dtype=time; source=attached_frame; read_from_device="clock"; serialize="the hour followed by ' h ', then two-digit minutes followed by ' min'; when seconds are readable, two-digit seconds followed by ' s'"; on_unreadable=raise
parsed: 3 h 50 min 55 s
